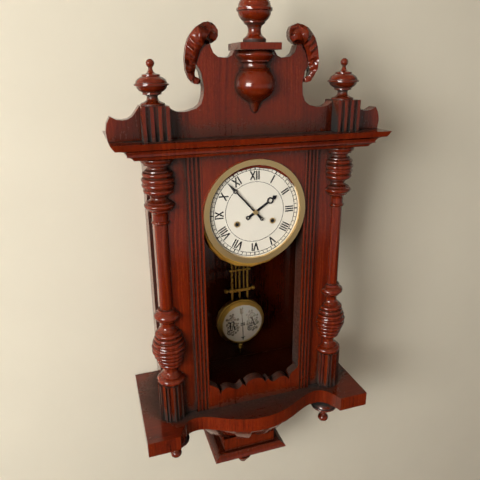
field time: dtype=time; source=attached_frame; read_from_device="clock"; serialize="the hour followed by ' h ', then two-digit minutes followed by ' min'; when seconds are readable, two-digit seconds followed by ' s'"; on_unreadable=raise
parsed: 1 h 53 min
